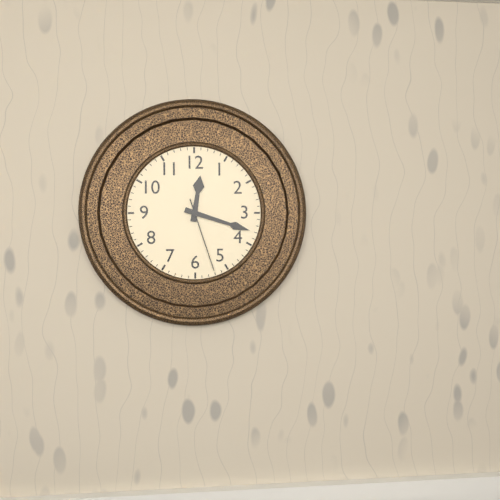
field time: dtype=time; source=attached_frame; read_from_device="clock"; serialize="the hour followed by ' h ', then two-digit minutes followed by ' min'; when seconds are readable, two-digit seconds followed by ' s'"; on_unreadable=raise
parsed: 12 h 18 min 27 s
